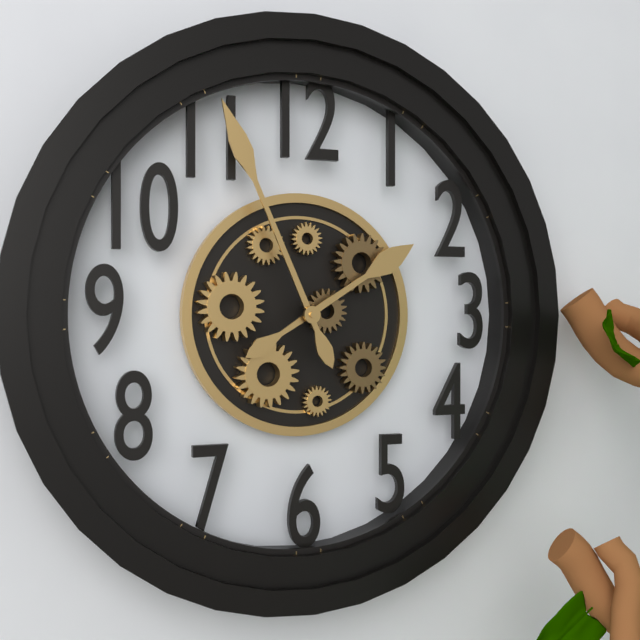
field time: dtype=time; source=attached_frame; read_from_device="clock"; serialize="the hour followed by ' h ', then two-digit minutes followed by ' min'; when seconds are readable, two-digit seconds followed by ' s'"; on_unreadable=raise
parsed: 1 h 56 min
